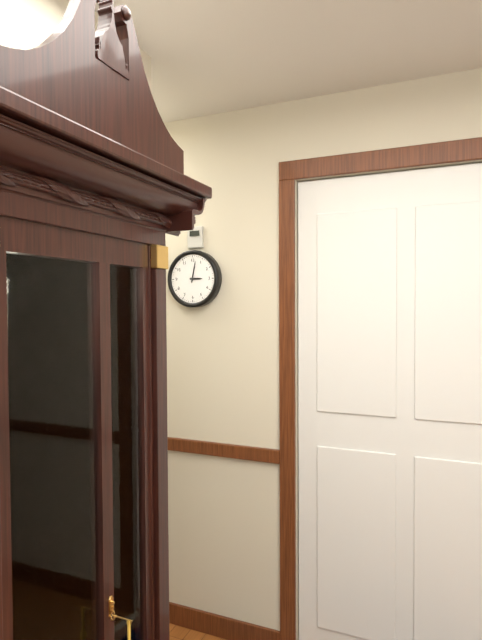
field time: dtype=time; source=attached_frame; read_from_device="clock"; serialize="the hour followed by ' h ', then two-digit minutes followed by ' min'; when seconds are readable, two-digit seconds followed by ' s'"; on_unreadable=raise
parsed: 3 h 02 min
